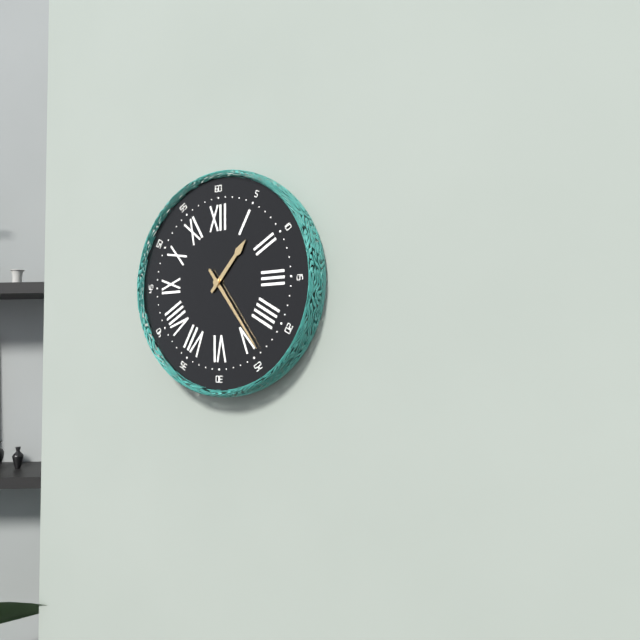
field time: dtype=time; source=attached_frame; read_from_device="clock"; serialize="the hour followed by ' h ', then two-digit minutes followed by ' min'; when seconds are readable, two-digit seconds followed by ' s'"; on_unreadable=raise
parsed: 1 h 24 min
